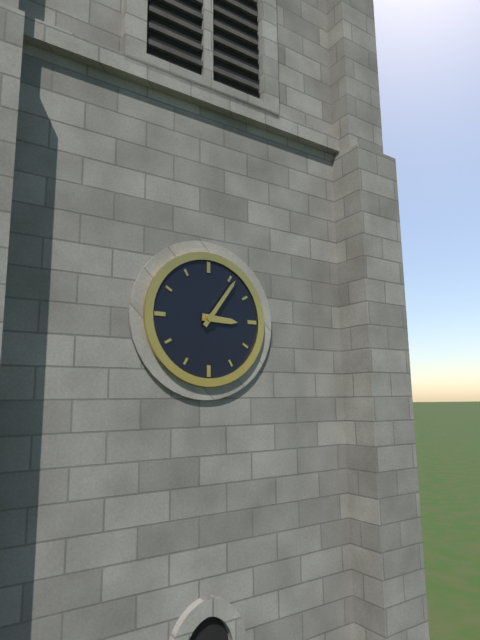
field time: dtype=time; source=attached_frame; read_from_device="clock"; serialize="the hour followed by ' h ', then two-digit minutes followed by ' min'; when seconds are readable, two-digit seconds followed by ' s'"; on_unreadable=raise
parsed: 3 h 06 min
